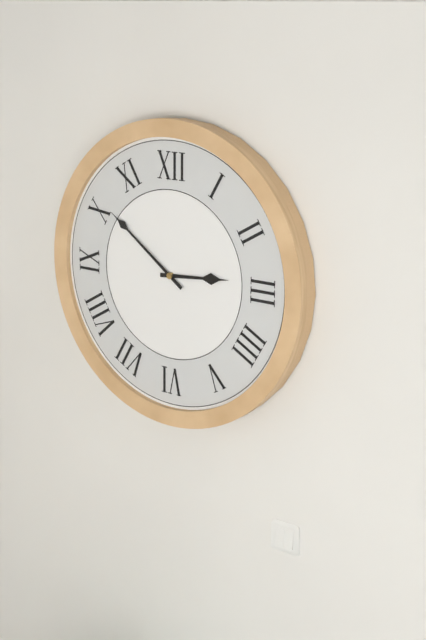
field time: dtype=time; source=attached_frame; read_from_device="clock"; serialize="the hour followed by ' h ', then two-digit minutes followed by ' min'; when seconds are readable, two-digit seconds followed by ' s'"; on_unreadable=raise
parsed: 2 h 51 min
